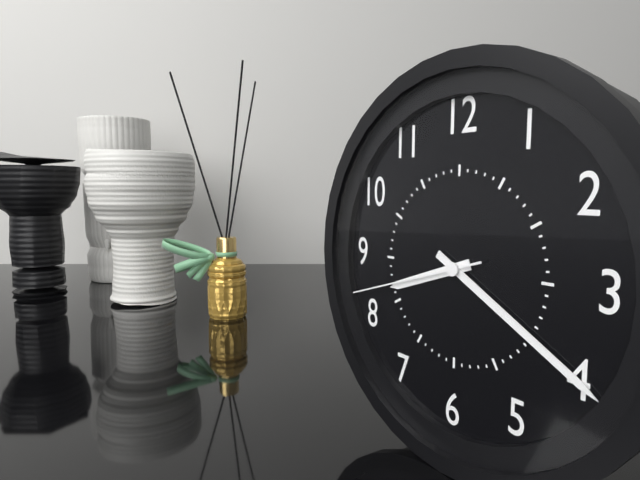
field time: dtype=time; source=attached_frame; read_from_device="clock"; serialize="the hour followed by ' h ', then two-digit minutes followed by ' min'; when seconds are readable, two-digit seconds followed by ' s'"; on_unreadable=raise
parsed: 8 h 20 min 42 s
